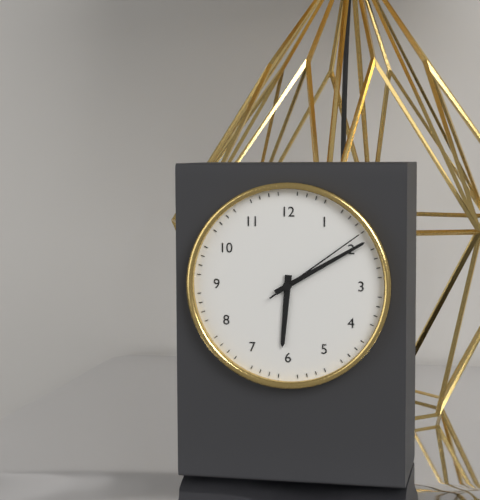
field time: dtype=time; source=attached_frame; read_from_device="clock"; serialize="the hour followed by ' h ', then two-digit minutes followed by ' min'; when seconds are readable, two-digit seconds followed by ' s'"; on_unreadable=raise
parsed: 6 h 10 min 09 s
